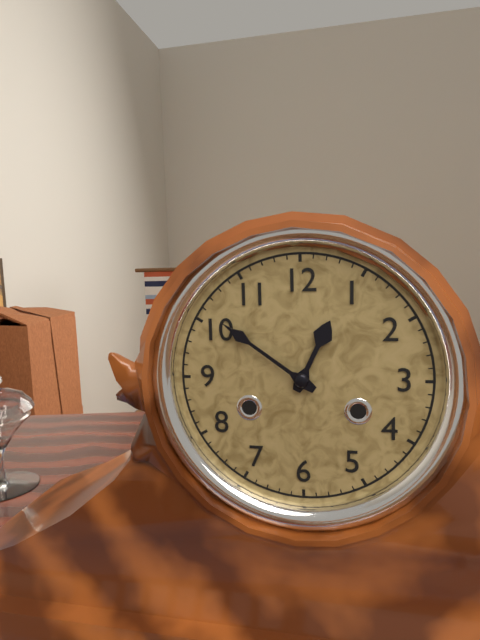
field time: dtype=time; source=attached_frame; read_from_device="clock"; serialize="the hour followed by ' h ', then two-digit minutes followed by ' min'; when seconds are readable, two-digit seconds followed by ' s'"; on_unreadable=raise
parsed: 12 h 51 min
